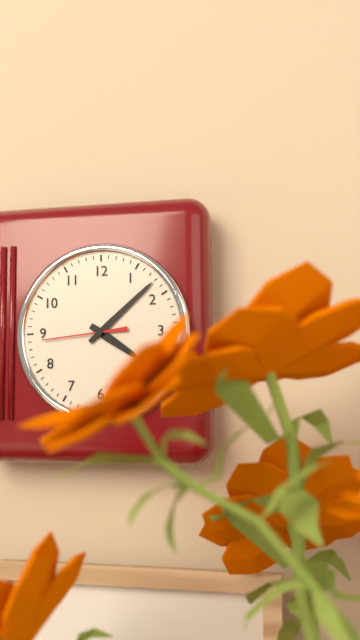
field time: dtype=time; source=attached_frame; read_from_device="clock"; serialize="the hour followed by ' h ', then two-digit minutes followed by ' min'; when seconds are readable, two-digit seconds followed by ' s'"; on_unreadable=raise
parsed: 4 h 08 min 44 s
